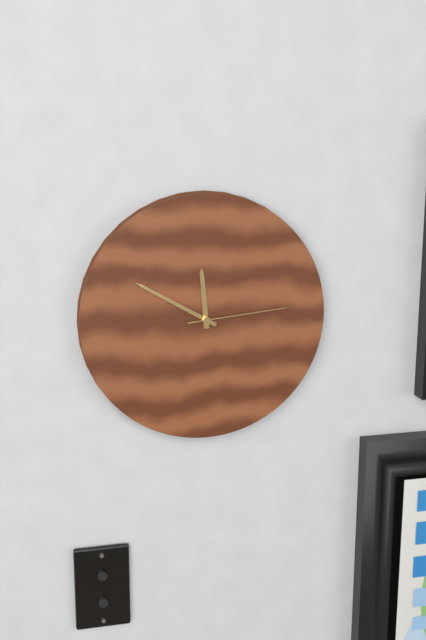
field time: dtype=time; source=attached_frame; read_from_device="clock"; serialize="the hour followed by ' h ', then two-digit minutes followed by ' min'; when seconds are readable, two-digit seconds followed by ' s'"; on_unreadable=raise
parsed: 11 h 50 min 14 s
